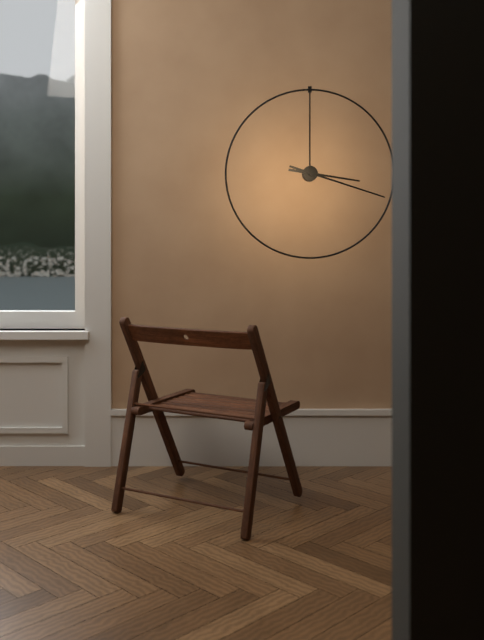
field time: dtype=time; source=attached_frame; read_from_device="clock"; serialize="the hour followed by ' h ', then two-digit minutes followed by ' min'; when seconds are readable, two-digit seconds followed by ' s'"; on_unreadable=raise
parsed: 3 h 18 min
